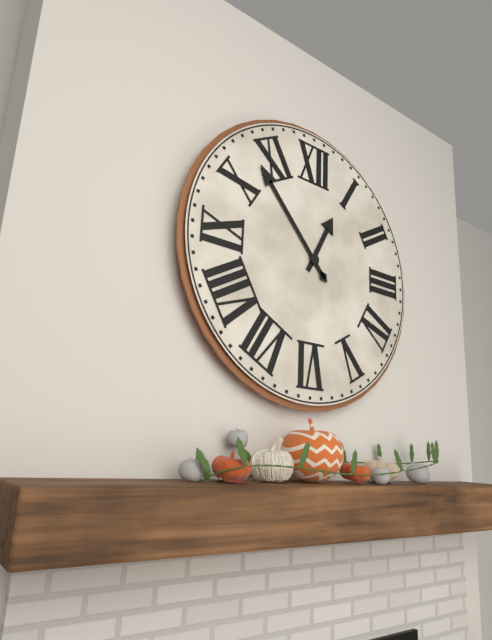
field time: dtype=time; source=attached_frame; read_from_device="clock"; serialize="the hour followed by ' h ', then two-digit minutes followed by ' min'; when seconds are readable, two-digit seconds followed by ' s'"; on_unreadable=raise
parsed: 12 h 53 min
